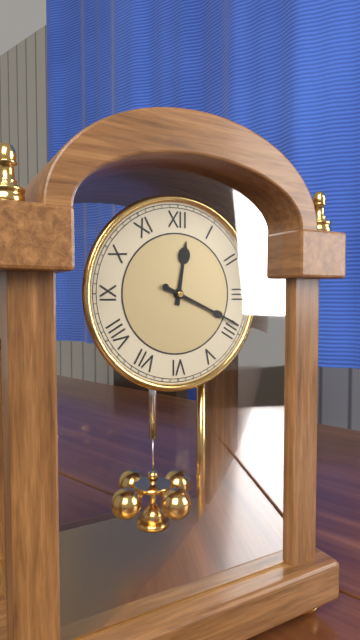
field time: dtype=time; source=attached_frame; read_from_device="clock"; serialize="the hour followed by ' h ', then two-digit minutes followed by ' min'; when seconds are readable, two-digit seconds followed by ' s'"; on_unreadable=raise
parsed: 12 h 19 min
